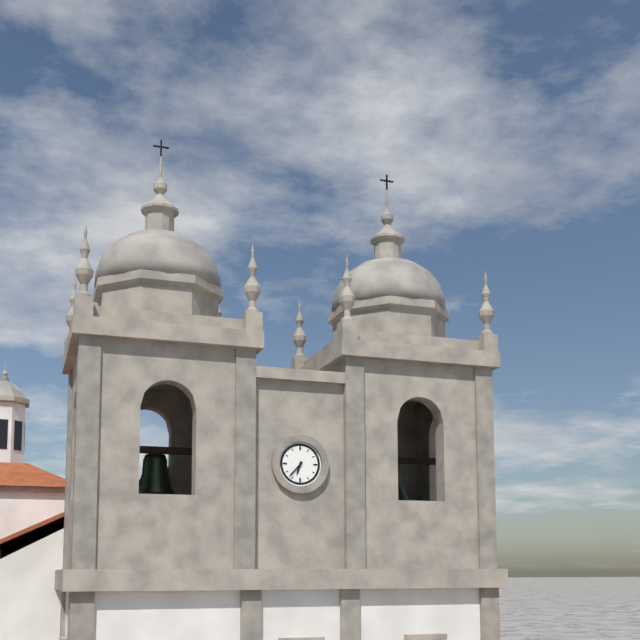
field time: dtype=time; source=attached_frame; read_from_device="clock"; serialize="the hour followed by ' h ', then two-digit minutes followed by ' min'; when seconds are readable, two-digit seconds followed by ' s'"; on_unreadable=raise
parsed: 6 h 37 min
